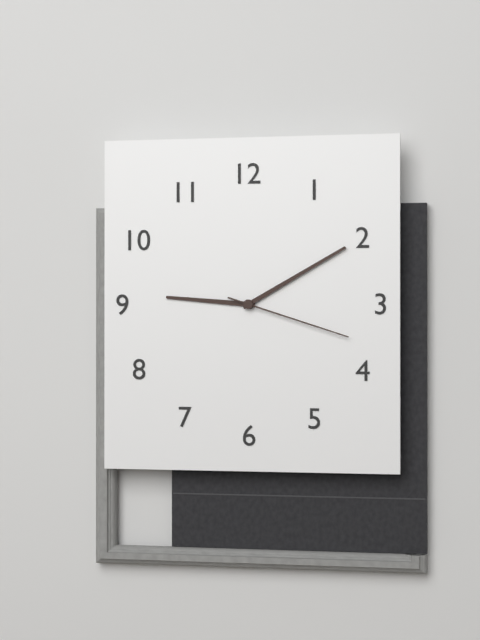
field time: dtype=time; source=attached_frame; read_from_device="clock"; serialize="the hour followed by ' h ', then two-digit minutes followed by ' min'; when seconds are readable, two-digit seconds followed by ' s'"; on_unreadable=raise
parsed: 9 h 10 min 18 s
